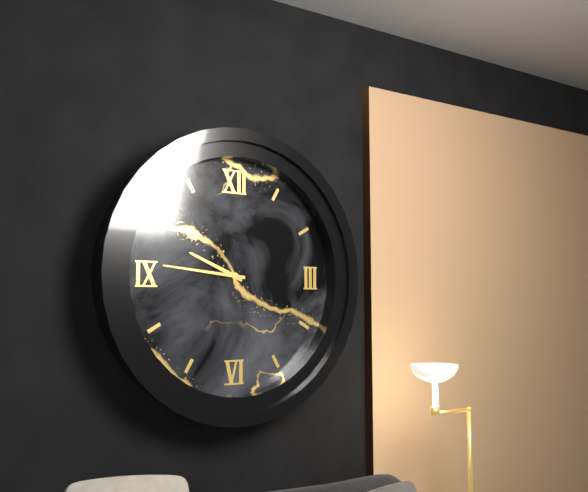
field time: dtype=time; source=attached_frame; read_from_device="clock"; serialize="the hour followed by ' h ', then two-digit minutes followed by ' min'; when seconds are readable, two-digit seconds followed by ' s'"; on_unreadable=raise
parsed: 9 h 46 min
